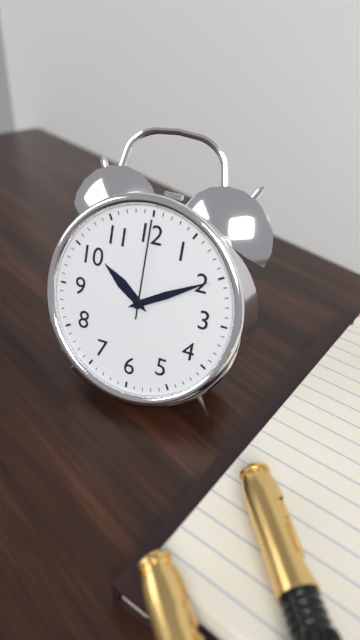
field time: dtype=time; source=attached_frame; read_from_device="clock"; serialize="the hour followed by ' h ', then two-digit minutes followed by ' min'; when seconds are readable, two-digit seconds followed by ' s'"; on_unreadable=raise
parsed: 10 h 10 min 00 s
